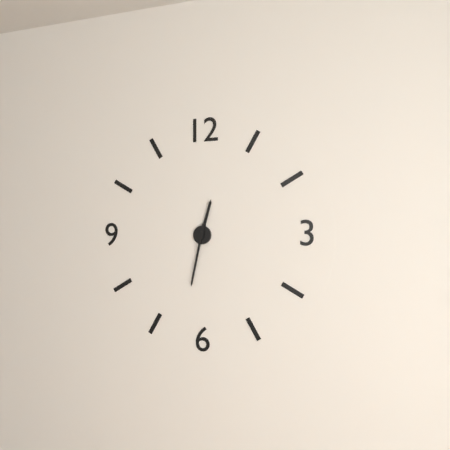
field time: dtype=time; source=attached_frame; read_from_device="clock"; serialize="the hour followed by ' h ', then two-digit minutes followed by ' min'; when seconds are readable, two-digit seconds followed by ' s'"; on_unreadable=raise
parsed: 12 h 32 min
